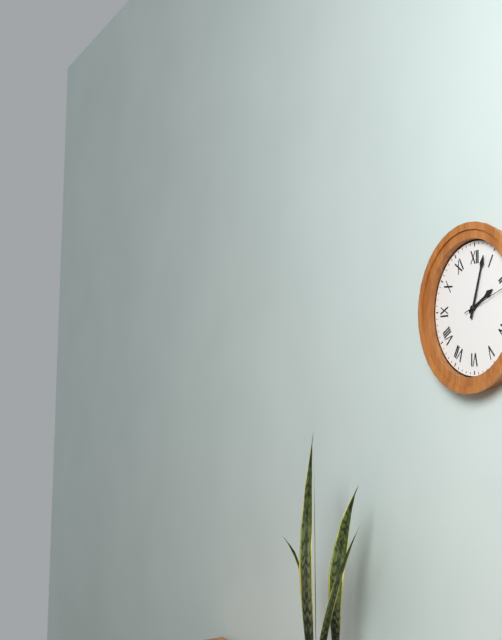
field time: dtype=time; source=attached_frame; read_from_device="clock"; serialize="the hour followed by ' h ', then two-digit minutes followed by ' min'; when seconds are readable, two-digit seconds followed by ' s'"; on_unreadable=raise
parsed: 2 h 03 min
